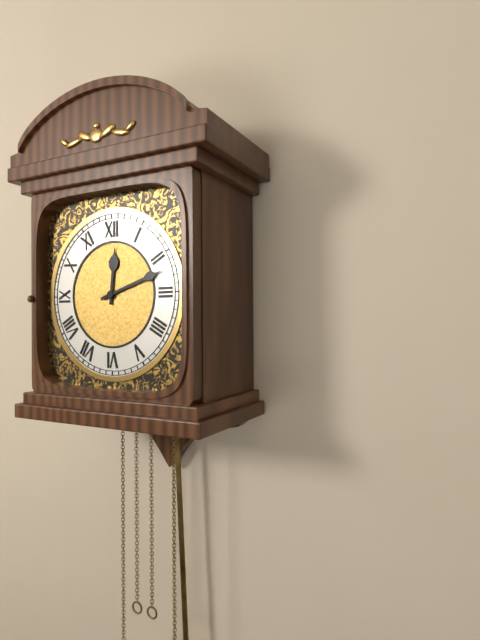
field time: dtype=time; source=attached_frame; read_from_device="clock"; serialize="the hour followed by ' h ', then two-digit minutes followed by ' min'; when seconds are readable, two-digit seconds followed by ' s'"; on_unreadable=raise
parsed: 12 h 12 min
